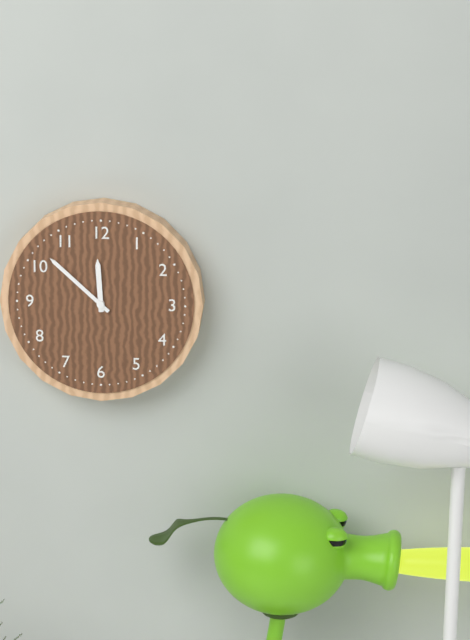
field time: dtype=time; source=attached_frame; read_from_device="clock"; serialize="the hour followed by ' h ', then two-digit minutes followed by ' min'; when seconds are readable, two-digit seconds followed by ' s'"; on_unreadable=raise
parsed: 11 h 52 min
